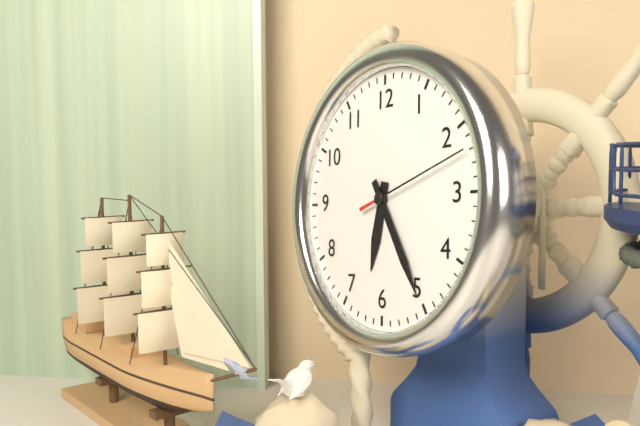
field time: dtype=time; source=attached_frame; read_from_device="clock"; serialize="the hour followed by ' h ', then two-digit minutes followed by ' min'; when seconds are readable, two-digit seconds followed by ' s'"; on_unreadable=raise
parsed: 6 h 25 min 12 s
